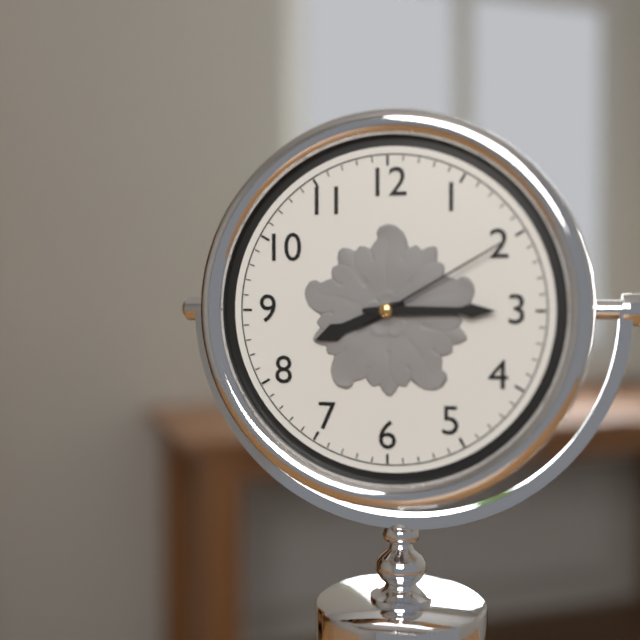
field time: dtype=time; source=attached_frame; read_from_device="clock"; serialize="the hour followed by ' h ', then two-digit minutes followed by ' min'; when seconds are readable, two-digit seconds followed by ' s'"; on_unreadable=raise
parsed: 8 h 15 min 10 s
